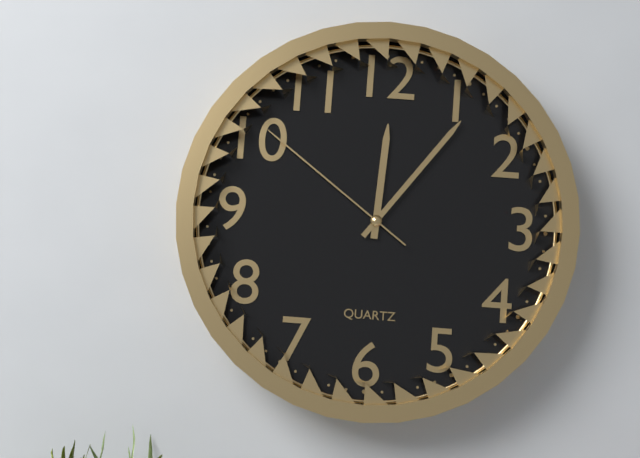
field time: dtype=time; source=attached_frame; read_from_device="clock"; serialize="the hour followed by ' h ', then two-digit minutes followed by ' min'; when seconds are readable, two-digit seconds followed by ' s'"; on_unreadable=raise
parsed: 12 h 06 min 51 s
